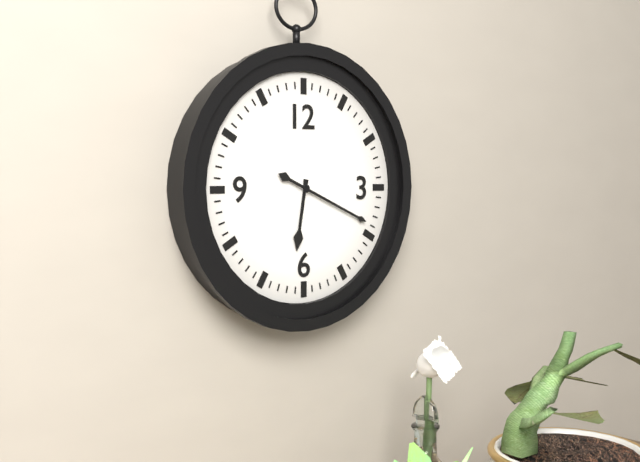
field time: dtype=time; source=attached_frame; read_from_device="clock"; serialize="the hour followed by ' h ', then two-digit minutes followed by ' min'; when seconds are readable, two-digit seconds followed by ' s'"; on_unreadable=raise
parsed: 6 h 19 min
